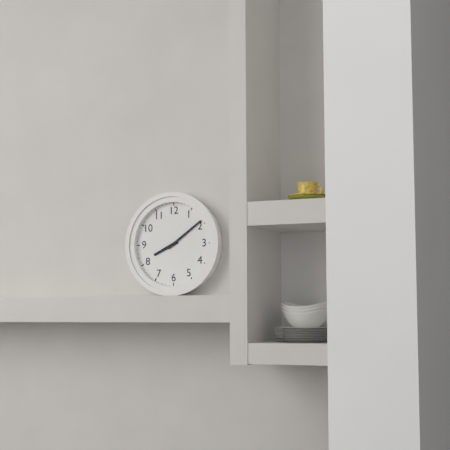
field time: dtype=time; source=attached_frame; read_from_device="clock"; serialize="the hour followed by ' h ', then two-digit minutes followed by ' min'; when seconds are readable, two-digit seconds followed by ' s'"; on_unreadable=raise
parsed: 8 h 09 min
